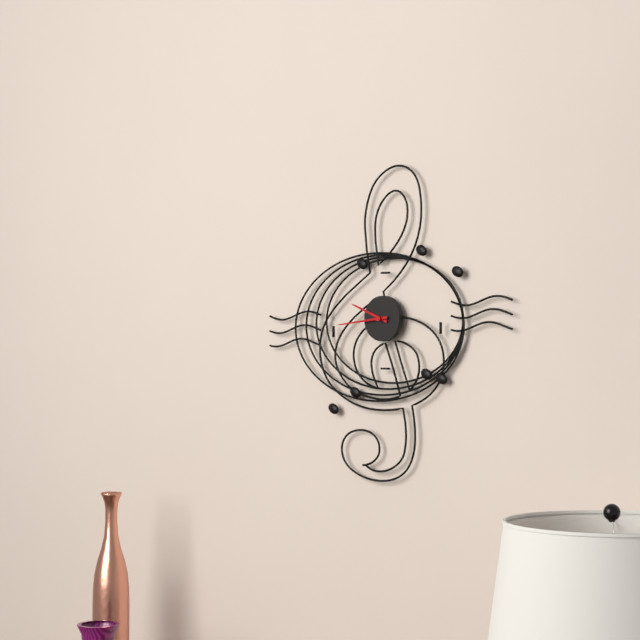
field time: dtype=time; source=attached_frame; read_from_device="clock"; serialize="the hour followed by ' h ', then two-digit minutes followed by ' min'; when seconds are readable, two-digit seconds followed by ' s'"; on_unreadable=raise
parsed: 9 h 44 min
